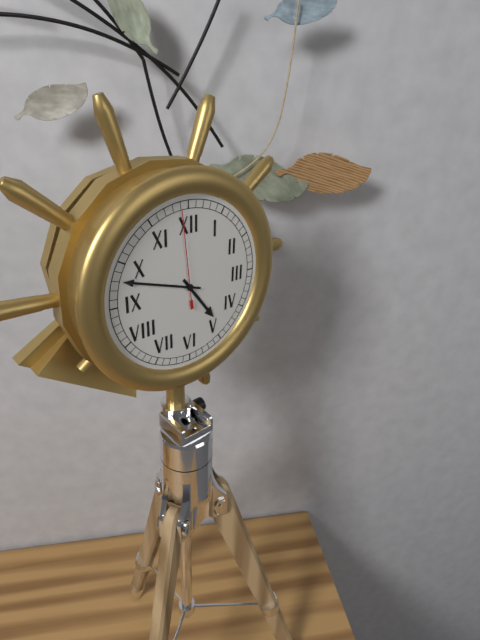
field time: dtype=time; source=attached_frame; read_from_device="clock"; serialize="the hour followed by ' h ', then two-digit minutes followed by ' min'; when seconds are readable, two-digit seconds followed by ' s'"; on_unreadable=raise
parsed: 4 h 48 min 59 s
